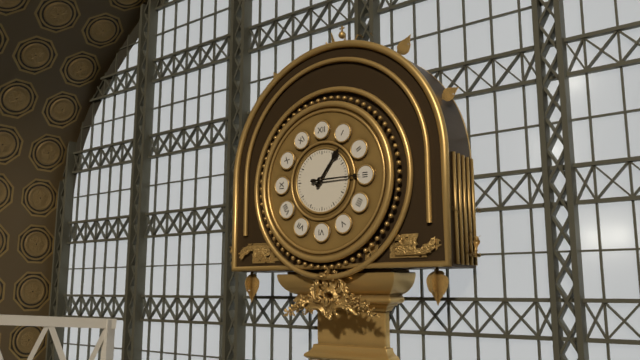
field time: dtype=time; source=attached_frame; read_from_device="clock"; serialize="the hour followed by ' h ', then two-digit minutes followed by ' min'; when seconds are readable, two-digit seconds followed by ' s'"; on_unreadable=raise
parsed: 1 h 15 min
